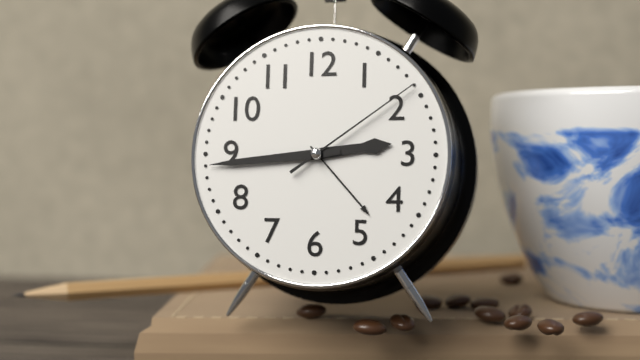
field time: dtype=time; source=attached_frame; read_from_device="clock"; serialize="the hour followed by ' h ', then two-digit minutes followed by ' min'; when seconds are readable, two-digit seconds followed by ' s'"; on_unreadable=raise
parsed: 2 h 44 min 09 s
